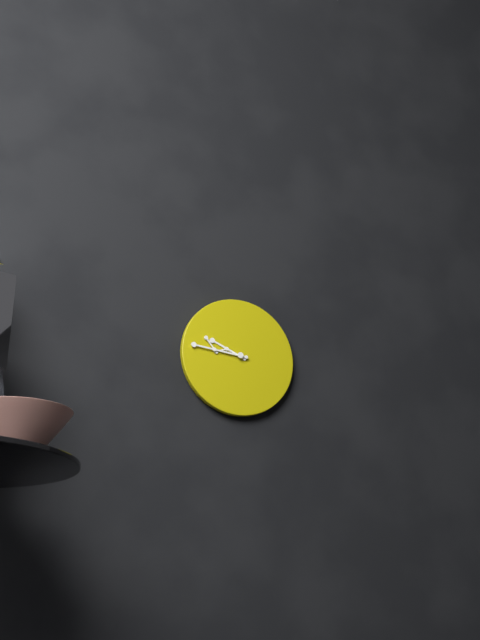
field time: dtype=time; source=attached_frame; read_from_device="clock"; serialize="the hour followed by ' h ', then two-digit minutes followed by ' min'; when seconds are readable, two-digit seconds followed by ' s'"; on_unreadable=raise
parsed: 9 h 46 min
